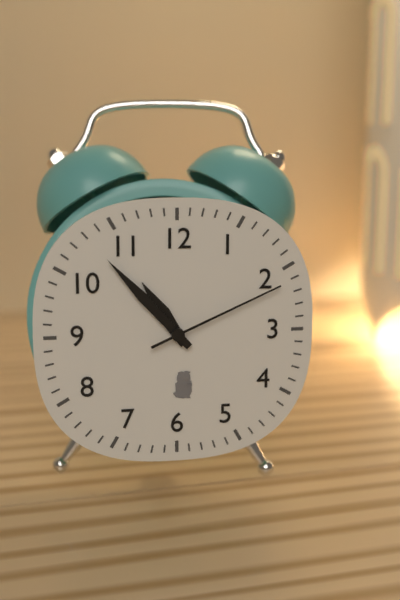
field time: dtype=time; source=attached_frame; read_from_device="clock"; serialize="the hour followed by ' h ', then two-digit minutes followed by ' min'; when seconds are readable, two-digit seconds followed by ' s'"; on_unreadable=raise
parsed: 10 h 53 min 11 s
